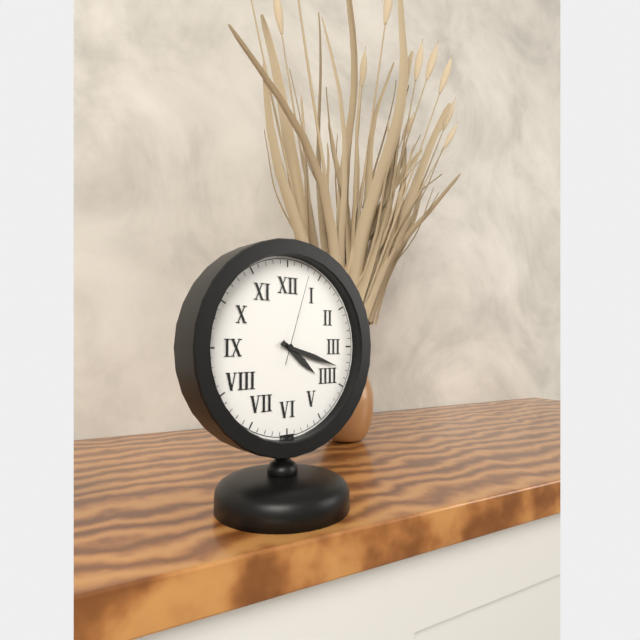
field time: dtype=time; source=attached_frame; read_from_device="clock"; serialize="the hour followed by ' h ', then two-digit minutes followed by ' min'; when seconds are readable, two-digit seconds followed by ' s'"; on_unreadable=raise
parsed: 4 h 18 min 03 s
